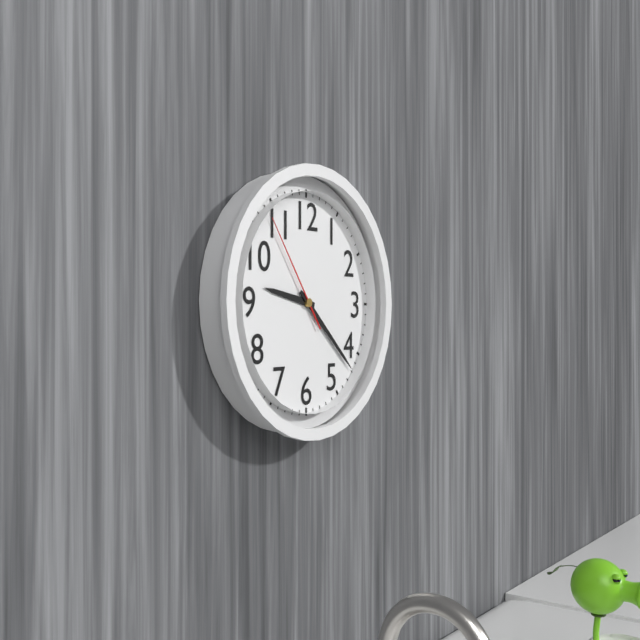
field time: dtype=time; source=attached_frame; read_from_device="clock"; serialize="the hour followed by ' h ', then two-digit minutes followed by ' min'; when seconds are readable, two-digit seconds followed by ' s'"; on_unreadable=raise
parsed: 9 h 22 min 54 s
